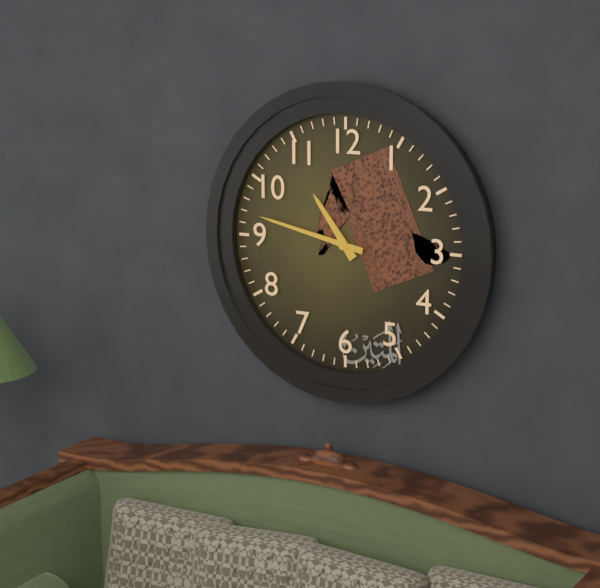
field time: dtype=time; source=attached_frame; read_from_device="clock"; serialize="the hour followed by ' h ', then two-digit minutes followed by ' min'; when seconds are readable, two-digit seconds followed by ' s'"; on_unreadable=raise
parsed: 10 h 47 min
